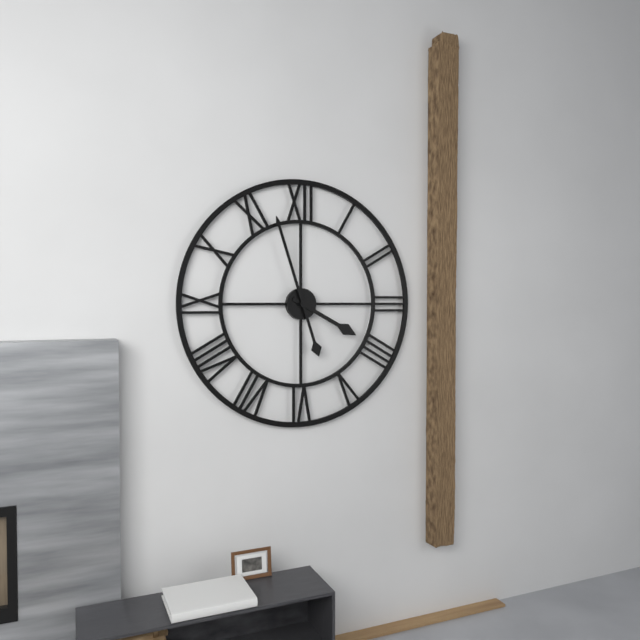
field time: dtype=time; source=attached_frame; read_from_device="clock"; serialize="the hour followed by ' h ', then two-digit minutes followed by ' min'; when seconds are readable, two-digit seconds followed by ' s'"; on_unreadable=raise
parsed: 3 h 57 min
